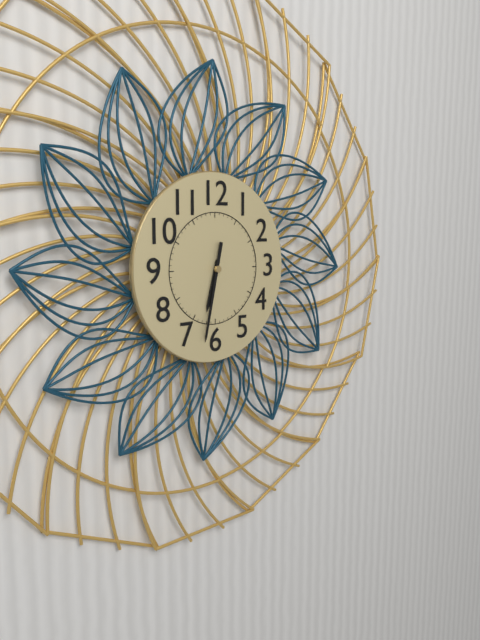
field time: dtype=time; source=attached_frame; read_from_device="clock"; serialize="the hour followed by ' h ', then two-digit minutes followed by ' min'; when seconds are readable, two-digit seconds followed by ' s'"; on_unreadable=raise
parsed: 6 h 32 min
